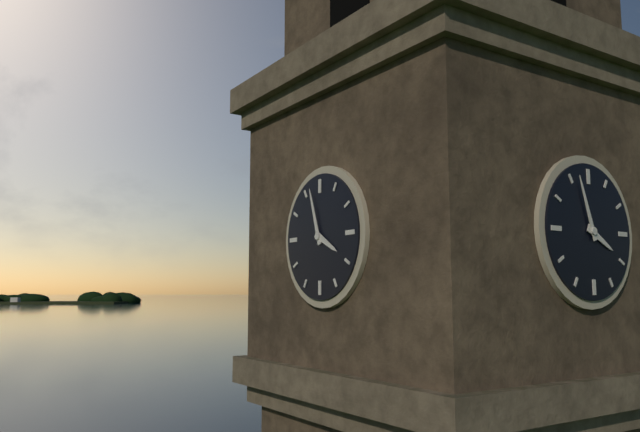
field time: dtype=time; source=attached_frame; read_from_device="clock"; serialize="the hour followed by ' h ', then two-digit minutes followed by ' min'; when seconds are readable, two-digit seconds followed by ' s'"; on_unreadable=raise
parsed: 3 h 57 min
